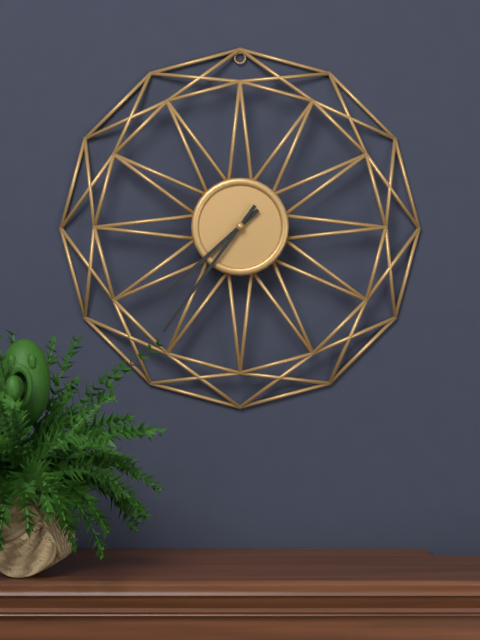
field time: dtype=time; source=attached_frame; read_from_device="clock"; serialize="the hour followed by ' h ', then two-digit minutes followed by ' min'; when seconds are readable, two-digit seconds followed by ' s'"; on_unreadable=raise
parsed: 7 h 36 min
